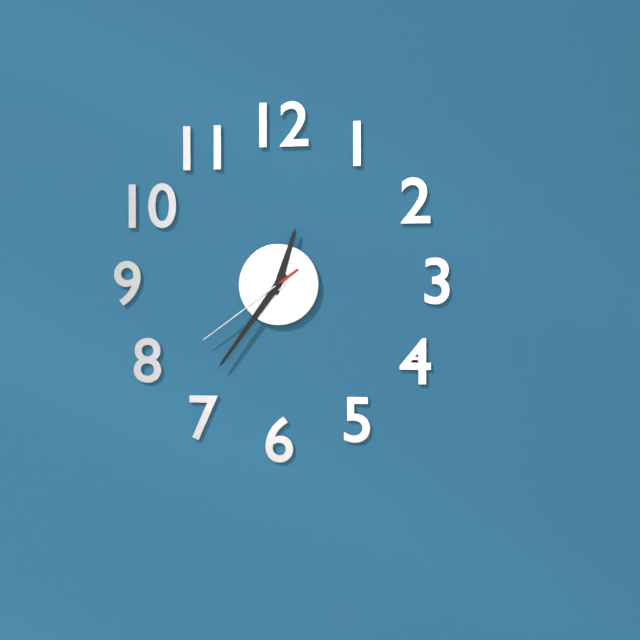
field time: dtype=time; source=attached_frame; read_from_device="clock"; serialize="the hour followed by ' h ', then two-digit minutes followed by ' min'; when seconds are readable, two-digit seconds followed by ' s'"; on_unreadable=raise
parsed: 12 h 36 min 39 s
